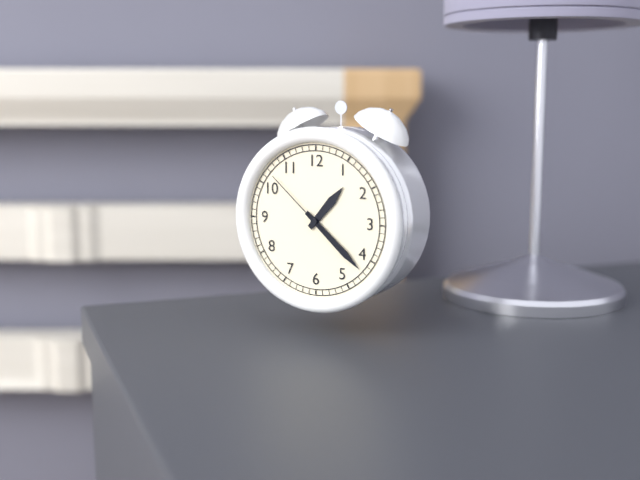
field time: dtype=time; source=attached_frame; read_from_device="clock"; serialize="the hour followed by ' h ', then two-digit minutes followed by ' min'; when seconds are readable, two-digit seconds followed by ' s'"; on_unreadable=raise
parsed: 1 h 22 min 52 s
